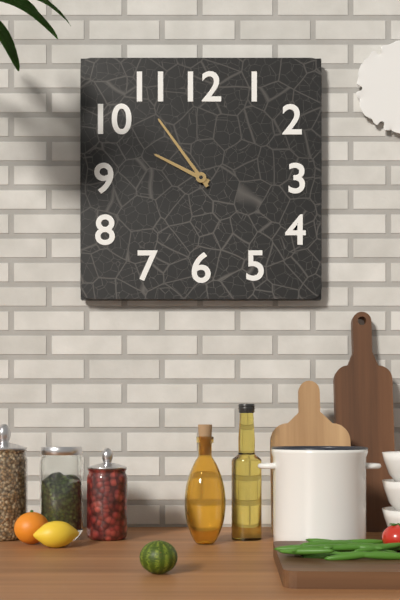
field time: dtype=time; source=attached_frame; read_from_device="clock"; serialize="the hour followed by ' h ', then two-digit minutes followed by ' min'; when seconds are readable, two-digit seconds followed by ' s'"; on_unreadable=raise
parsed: 9 h 54 min
